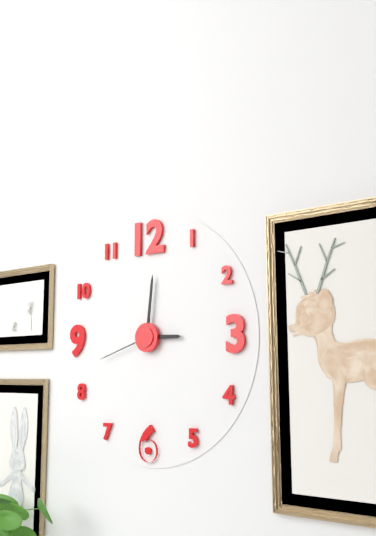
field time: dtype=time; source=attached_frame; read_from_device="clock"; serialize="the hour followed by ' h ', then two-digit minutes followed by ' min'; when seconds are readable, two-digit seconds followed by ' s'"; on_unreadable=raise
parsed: 3 h 01 min 42 s
